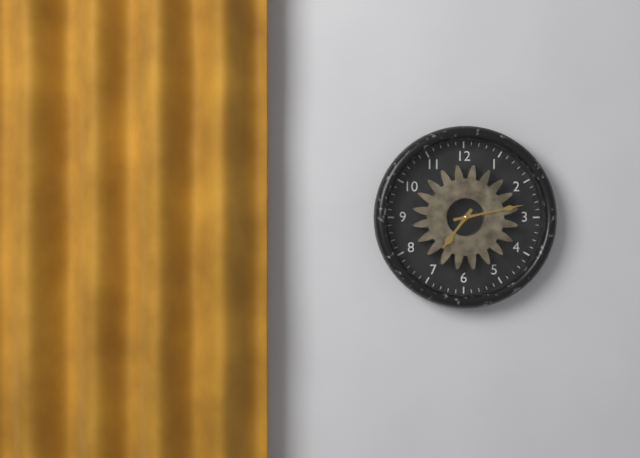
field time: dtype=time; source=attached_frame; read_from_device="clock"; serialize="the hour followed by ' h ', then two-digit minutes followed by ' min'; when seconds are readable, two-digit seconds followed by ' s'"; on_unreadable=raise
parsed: 7 h 13 min
